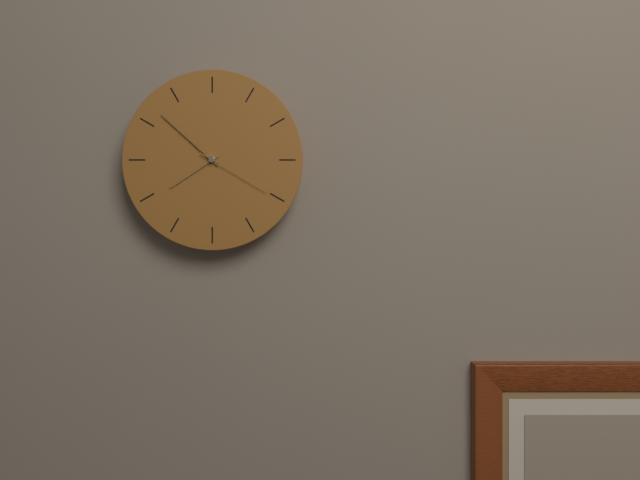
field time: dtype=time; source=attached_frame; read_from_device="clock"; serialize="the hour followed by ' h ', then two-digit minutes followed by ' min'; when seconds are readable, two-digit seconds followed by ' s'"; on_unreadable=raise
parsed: 7 h 52 min 20 s
